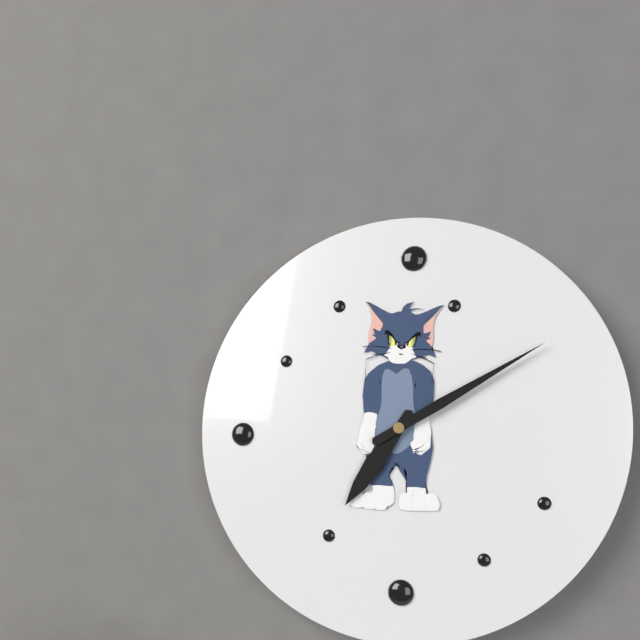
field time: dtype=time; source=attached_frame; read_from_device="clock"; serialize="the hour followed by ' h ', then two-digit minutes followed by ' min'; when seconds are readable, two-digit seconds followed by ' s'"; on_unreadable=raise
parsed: 7 h 10 min
